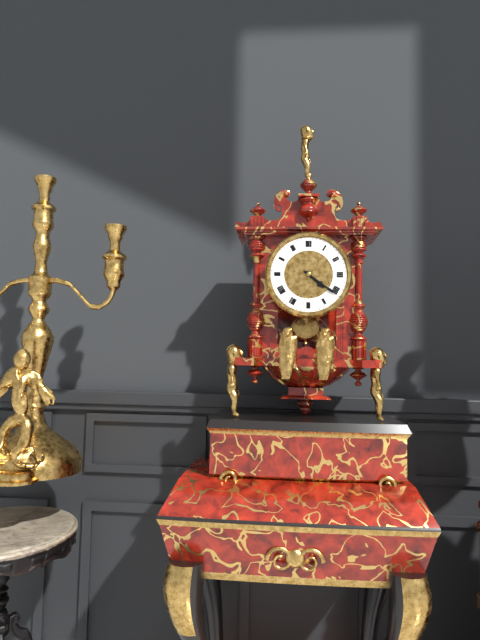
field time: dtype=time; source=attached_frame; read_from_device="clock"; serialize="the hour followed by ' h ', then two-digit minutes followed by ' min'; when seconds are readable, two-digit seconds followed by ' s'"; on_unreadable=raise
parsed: 4 h 21 min
